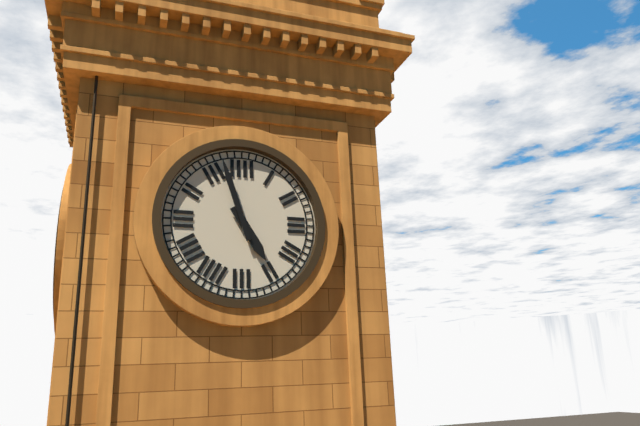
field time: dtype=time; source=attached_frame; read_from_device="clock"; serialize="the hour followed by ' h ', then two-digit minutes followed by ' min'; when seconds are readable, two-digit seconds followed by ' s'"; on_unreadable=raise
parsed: 4 h 57 min
